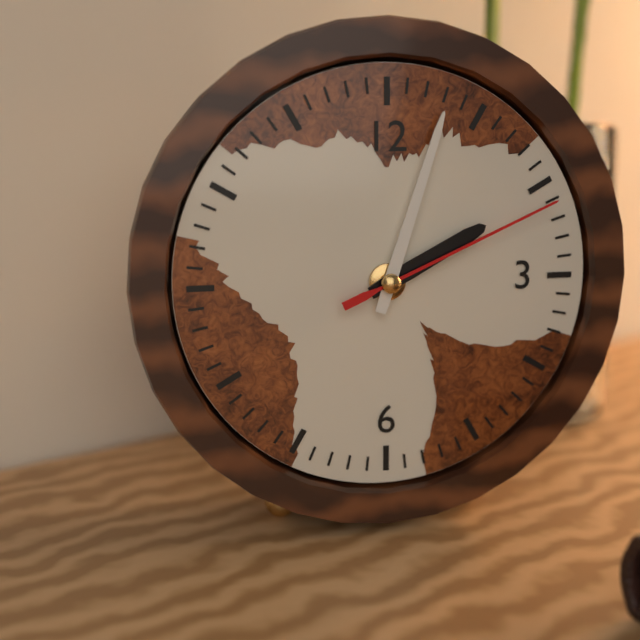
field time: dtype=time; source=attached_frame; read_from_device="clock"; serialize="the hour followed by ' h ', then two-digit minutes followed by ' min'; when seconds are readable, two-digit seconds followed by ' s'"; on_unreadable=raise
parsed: 2 h 03 min 11 s
